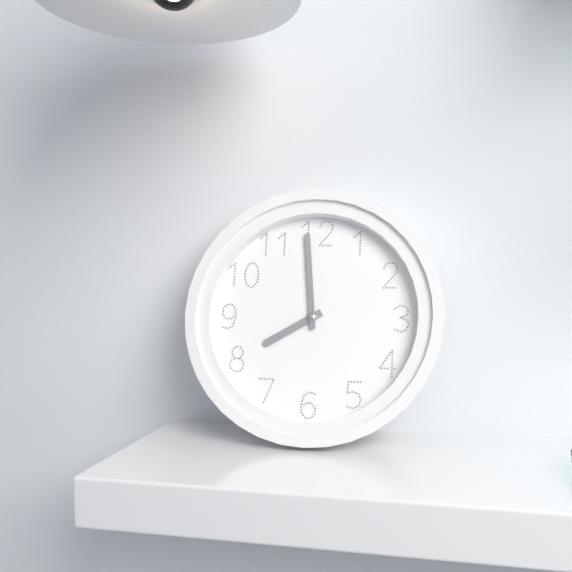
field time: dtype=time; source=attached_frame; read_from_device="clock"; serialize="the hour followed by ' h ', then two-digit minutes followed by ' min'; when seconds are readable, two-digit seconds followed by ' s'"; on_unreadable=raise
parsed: 7 h 59 min
